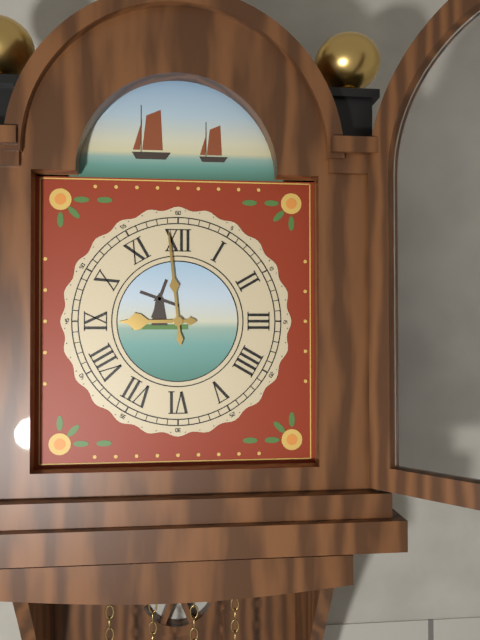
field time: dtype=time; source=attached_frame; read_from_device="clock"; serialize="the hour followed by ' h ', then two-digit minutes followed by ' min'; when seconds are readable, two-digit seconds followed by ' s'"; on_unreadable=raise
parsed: 8 h 59 min
